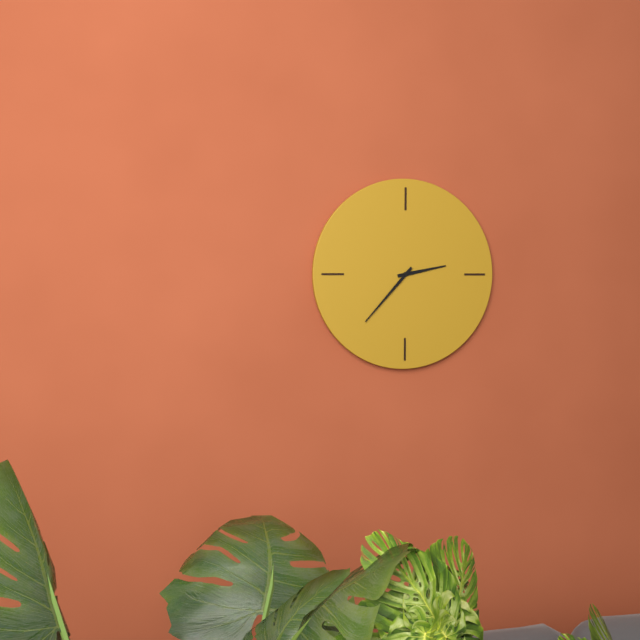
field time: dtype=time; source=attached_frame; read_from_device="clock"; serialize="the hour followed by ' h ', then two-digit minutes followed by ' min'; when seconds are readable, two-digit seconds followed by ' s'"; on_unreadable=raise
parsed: 2 h 37 min
